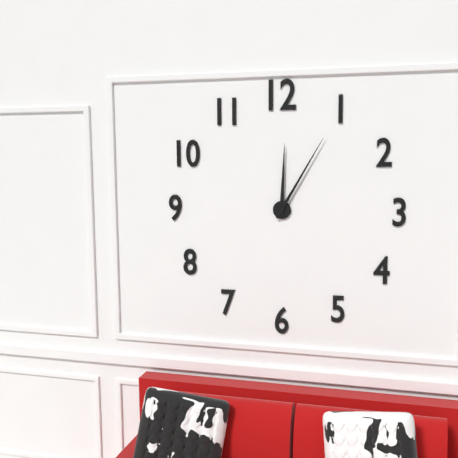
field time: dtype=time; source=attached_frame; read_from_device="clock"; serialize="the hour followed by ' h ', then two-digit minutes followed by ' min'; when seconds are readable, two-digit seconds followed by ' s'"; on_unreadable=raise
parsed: 12 h 05 min
